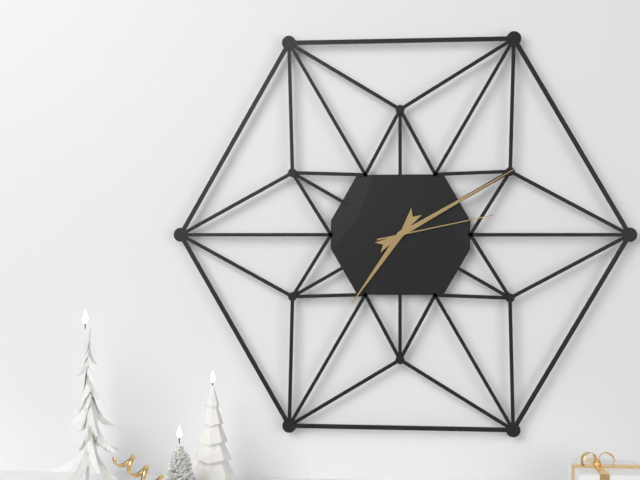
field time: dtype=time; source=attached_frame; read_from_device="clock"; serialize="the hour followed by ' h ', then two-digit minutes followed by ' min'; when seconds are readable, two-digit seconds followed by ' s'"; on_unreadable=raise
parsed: 7 h 10 min 13 s
